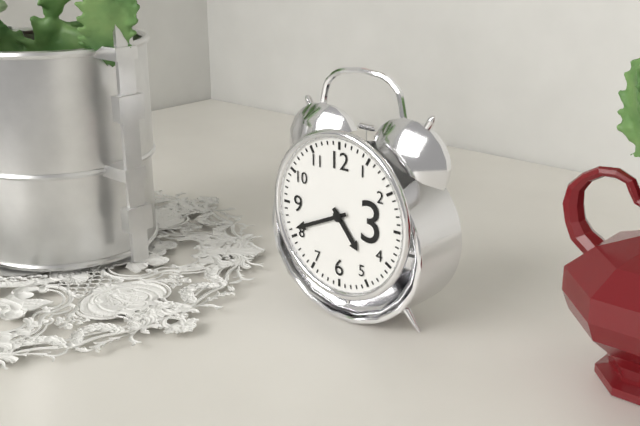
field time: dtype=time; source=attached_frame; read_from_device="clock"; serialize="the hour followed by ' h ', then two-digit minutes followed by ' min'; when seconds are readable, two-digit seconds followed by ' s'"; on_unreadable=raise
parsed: 4 h 41 min
